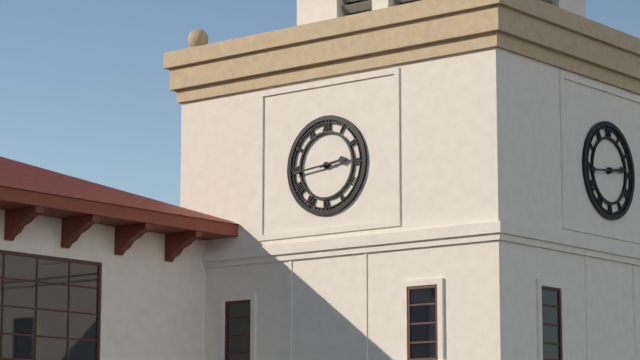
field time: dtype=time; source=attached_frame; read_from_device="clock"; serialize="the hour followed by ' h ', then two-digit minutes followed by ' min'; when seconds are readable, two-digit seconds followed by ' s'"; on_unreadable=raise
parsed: 2 h 44 min
